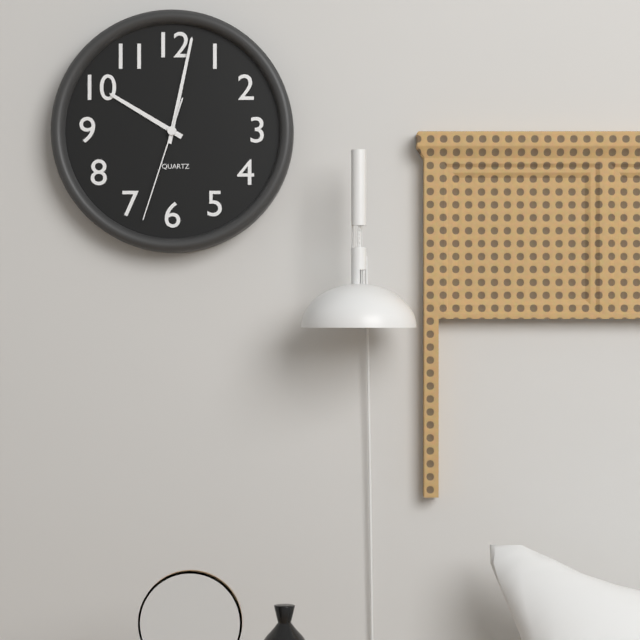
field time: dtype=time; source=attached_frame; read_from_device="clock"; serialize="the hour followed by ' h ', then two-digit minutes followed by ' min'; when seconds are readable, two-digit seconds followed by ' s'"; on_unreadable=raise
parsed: 10 h 02 min 33 s
